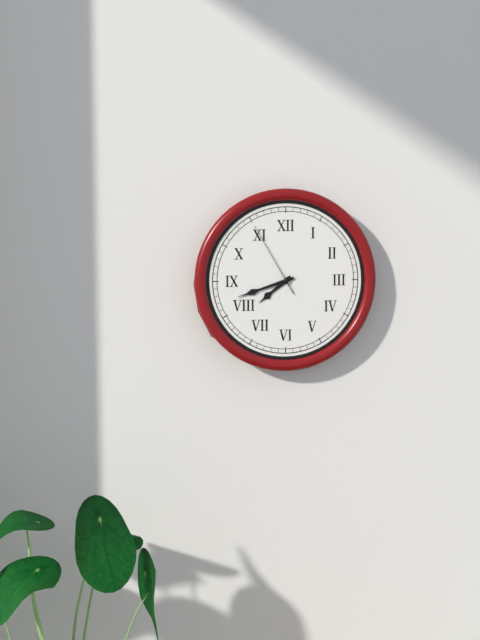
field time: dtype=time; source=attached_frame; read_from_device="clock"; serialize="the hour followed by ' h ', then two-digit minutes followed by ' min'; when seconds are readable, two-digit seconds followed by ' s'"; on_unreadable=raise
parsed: 7 h 42 min 55 s
